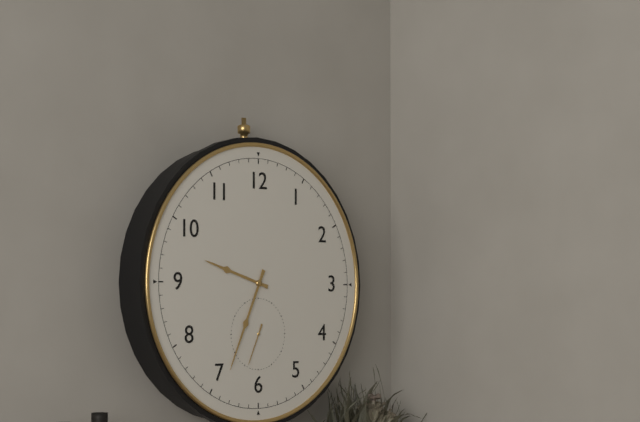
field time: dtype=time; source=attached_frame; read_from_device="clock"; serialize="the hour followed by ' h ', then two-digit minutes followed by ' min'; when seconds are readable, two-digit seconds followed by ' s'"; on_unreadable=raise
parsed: 9 h 34 min
